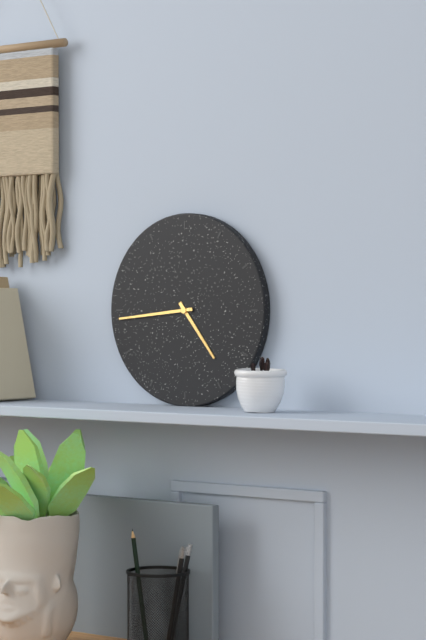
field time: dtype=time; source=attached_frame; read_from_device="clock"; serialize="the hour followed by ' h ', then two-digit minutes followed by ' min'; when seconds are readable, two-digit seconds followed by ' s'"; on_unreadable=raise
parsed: 4 h 44 min
